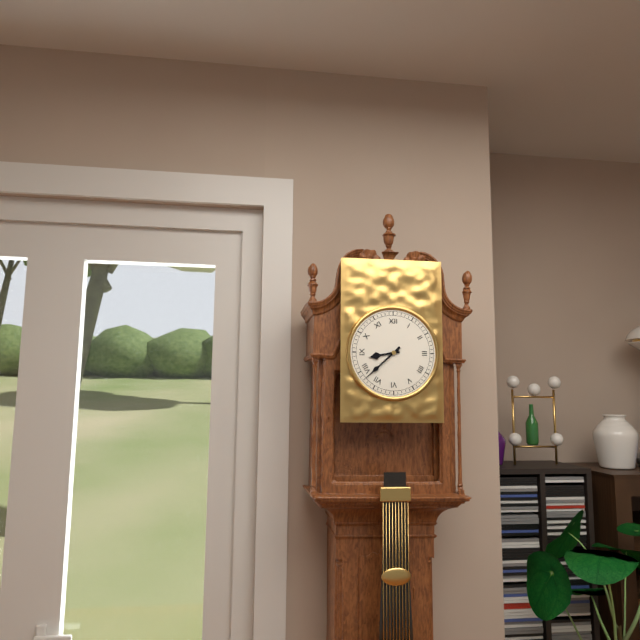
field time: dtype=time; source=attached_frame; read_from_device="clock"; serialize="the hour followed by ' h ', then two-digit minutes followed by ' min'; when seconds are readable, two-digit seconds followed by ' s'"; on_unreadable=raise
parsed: 8 h 38 min
